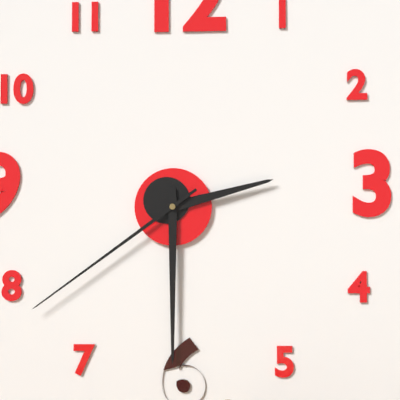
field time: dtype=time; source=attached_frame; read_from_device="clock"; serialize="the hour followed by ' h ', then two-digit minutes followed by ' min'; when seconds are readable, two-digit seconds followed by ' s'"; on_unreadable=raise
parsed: 2 h 30 min 39 s
